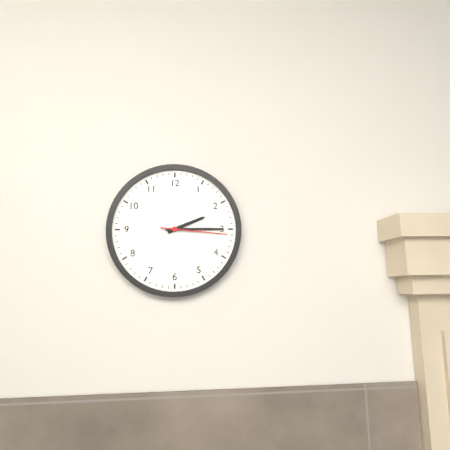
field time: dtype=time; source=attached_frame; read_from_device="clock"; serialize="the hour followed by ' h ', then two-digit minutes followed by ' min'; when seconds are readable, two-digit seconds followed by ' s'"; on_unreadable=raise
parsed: 2 h 15 min 16 s
